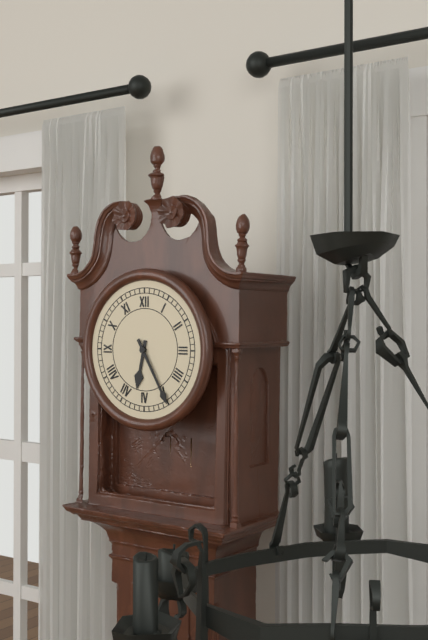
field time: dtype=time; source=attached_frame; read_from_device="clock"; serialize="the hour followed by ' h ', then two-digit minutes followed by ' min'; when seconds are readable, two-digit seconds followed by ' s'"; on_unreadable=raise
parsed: 6 h 25 min
